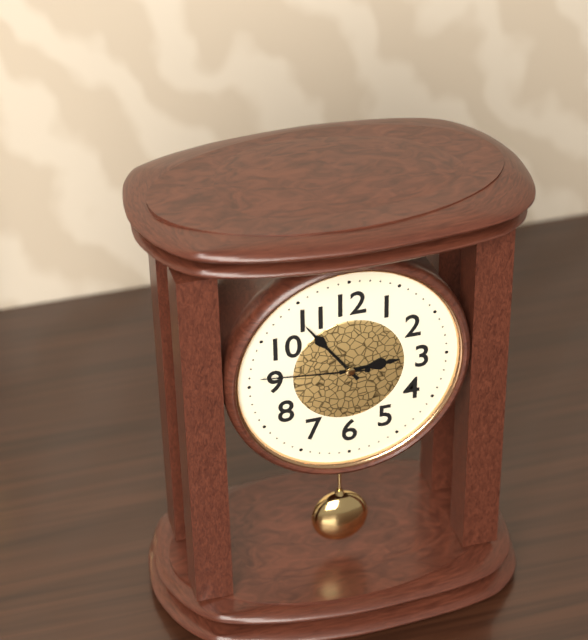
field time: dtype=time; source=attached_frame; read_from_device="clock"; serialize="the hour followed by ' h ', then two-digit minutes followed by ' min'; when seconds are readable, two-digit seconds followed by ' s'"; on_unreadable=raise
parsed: 2 h 54 min 46 s
